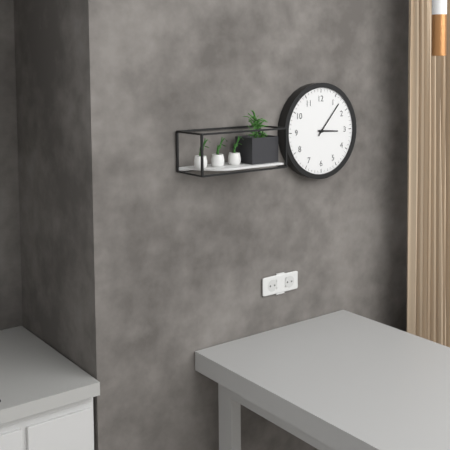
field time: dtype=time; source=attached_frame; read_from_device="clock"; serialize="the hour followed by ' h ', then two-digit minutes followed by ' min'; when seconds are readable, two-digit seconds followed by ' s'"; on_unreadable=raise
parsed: 3 h 07 min
